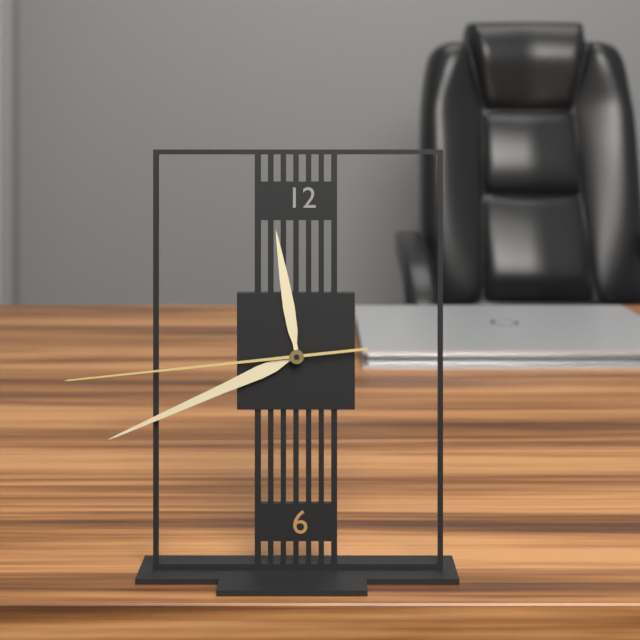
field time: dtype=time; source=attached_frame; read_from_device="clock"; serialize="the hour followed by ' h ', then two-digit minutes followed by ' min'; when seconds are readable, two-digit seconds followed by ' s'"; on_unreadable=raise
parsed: 11 h 41 min 44 s
